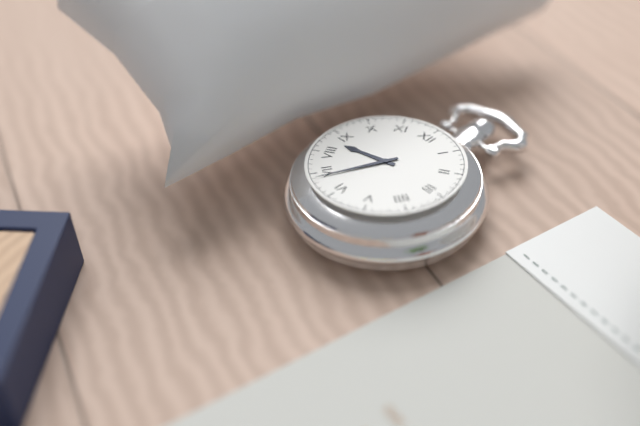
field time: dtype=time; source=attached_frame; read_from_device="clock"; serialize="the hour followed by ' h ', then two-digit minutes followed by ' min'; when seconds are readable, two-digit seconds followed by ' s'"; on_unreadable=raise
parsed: 8 h 34 min
